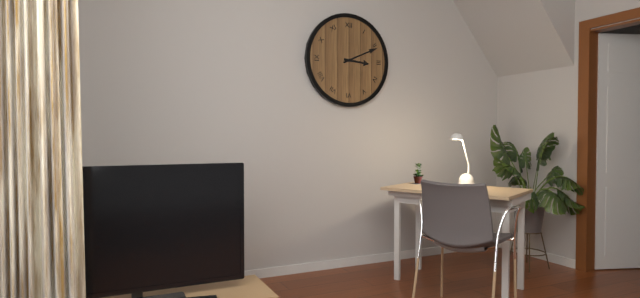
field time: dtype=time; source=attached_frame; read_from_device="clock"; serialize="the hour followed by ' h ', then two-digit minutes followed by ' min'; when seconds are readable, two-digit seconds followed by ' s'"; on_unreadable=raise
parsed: 3 h 11 min
